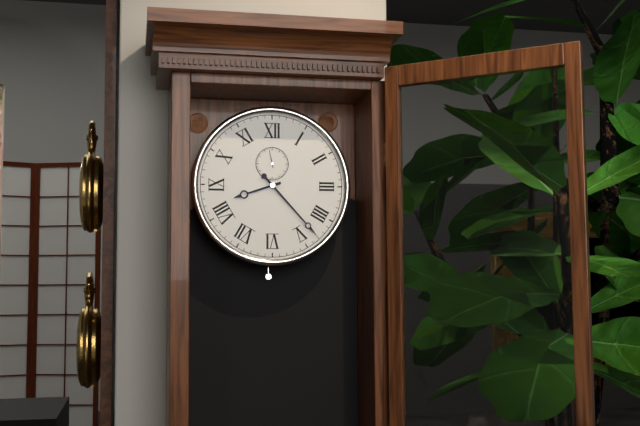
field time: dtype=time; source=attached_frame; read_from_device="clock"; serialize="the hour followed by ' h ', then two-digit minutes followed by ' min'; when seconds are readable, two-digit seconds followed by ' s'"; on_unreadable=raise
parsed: 8 h 23 min
